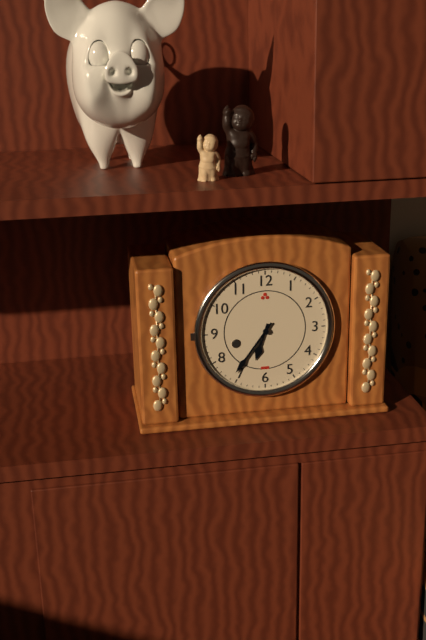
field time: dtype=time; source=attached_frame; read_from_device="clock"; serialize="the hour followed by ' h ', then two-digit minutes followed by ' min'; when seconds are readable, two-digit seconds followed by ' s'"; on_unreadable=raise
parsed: 6 h 36 min
